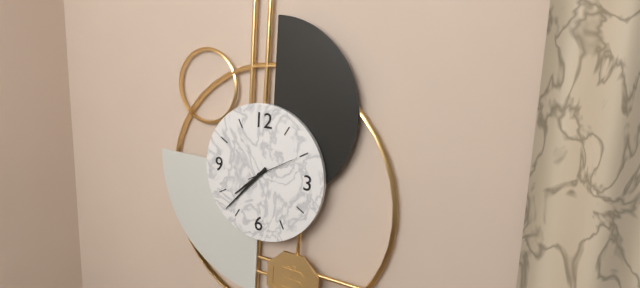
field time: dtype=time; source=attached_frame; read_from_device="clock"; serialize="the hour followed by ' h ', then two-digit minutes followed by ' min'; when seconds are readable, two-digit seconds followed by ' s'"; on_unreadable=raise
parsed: 7 h 37 min
